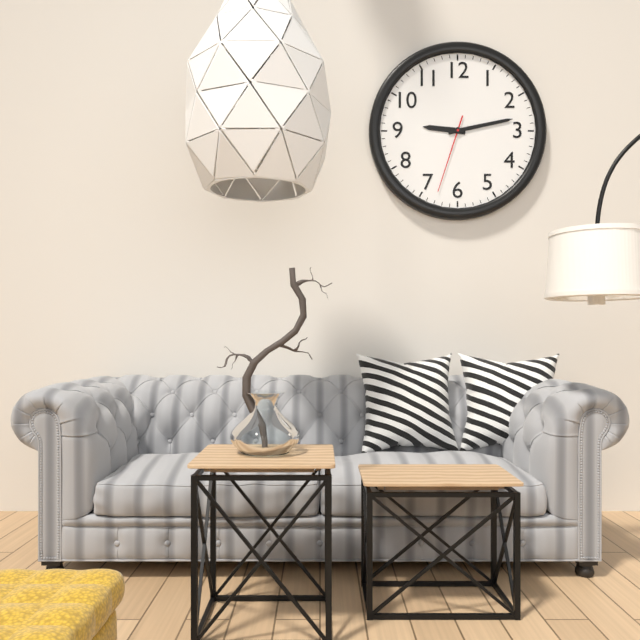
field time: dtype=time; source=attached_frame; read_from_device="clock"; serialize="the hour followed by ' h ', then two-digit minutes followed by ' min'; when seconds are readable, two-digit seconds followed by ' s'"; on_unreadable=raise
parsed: 9 h 13 min 33 s
